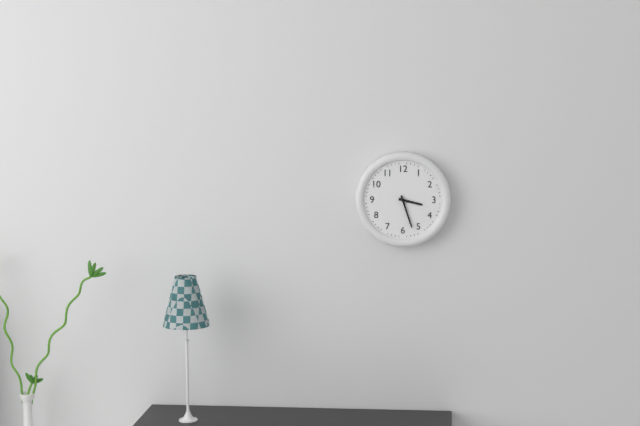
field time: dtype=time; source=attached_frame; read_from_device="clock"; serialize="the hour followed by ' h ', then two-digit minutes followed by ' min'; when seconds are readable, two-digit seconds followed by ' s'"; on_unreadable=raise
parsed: 3 h 27 min
